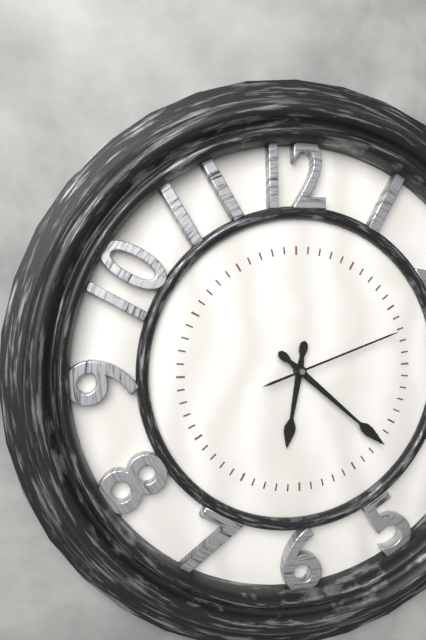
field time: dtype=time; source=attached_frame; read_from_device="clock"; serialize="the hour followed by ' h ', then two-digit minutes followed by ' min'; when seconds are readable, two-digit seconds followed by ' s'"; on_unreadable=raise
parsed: 6 h 22 min 12 s
